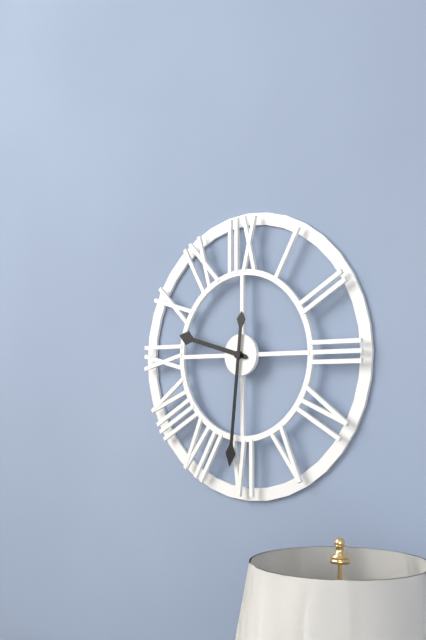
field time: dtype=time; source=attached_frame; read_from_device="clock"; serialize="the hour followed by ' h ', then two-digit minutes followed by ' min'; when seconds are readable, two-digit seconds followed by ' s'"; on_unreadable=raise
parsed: 9 h 31 min
